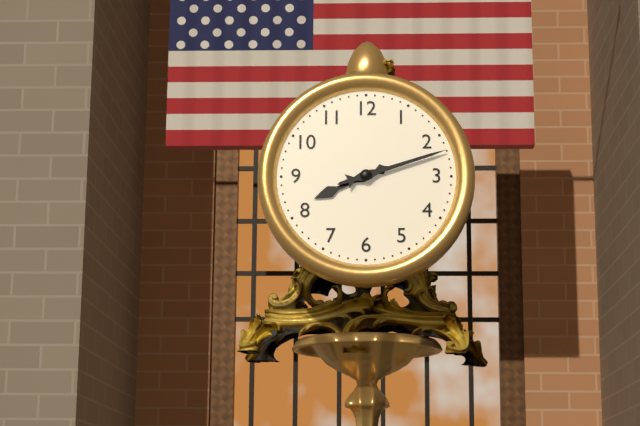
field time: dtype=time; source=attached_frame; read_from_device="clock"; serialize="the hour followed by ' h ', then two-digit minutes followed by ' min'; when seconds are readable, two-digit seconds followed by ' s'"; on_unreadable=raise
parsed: 8 h 12 min
